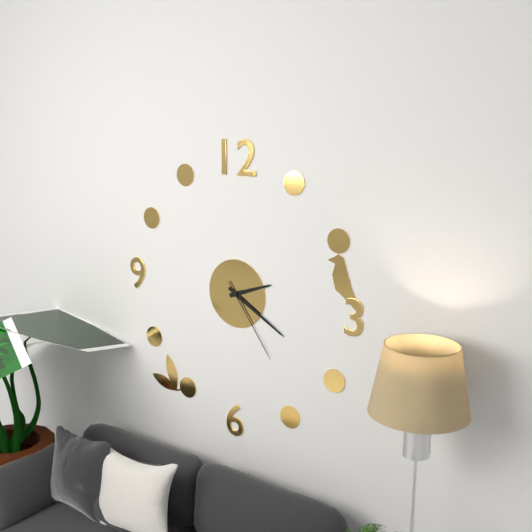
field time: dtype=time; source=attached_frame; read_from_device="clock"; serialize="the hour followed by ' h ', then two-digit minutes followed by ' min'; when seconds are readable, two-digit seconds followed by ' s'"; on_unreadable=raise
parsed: 2 h 20 min 24 s
